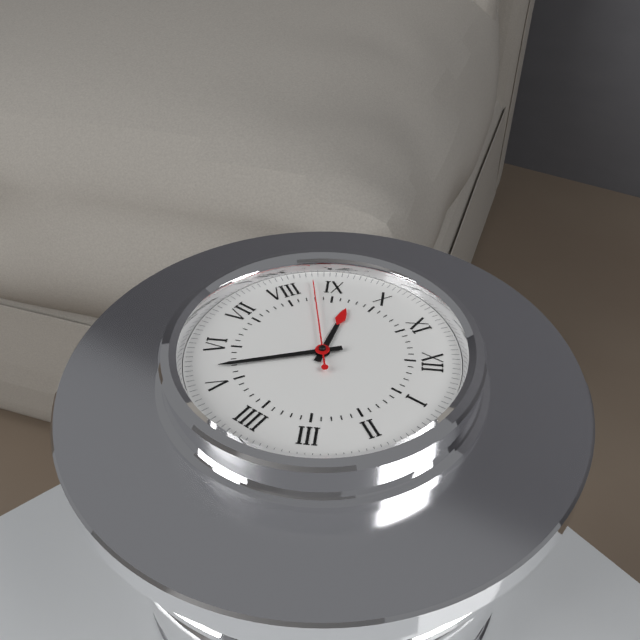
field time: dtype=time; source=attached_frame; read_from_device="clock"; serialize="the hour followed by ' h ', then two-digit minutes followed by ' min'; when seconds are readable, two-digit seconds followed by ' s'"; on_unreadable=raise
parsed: 9 h 27 min 43 s
